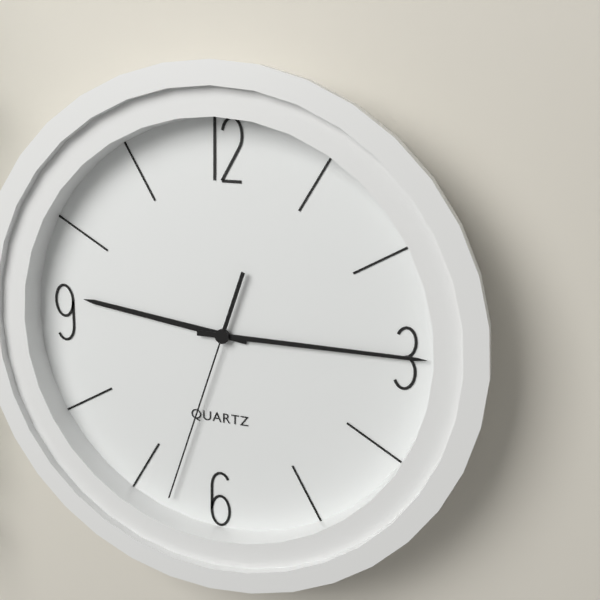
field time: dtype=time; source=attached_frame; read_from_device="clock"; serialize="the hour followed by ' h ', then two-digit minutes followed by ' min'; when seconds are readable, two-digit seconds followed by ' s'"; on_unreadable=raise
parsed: 9 h 15 min 33 s
